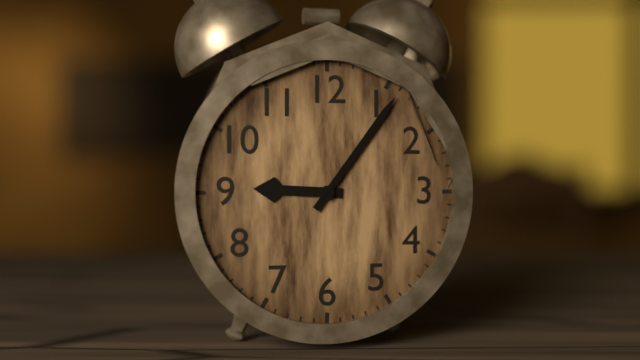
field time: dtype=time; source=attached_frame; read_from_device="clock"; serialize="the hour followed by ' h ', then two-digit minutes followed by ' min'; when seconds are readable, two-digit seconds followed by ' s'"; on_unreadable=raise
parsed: 9 h 06 min
